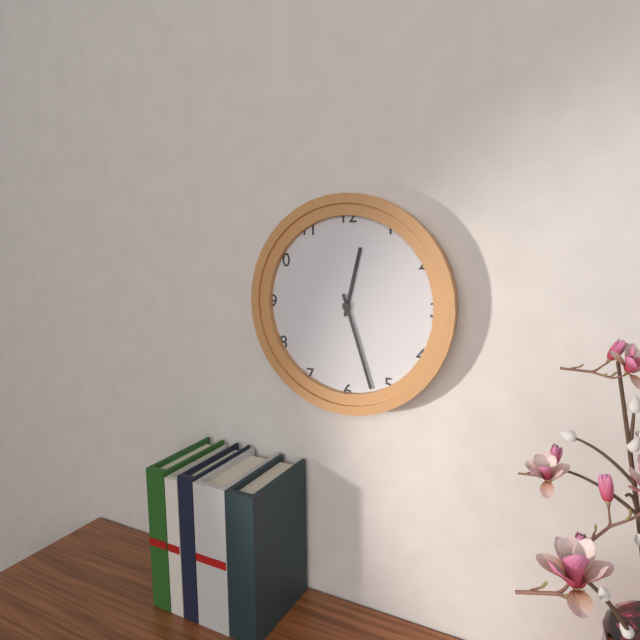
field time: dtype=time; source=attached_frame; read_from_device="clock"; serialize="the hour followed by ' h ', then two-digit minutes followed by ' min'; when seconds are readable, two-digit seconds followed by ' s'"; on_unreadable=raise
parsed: 12 h 27 min
